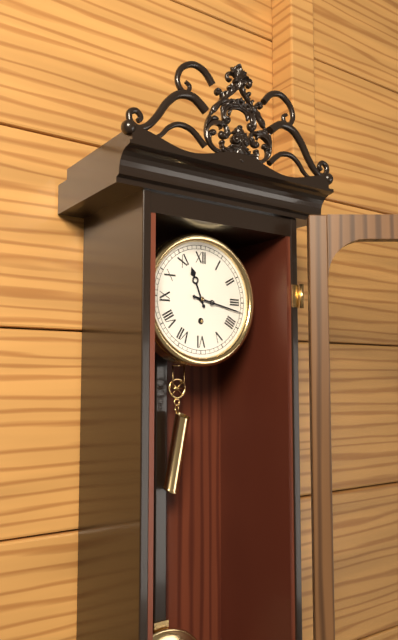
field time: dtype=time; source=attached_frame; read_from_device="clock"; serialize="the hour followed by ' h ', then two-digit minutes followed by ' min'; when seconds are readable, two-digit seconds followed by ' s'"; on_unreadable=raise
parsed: 11 h 17 min
